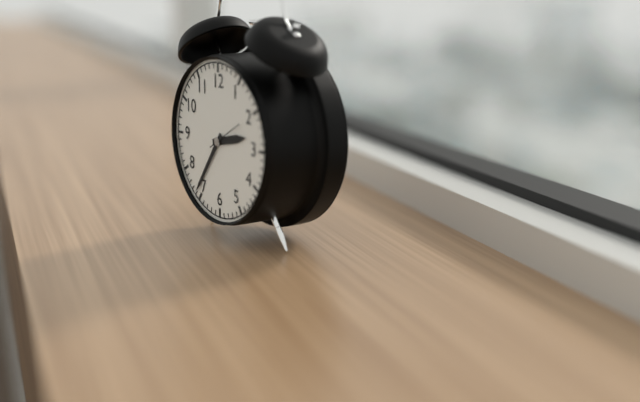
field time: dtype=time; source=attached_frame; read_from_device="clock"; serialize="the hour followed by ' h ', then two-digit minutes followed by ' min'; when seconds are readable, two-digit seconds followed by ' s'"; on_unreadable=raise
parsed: 2 h 36 min
